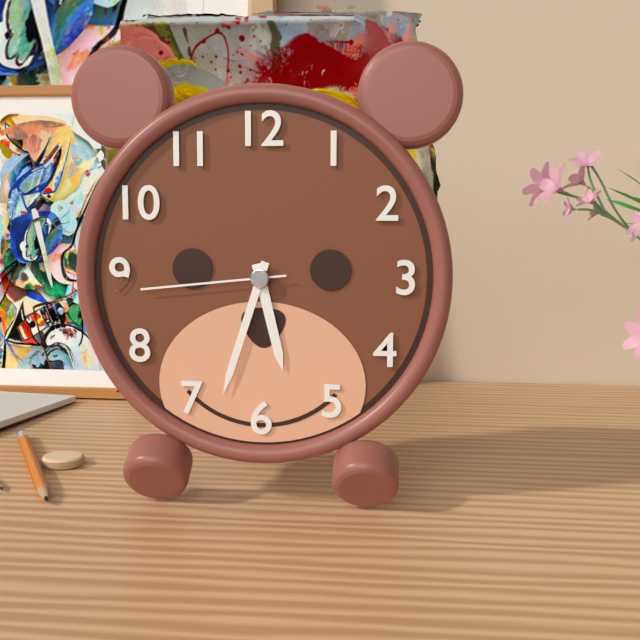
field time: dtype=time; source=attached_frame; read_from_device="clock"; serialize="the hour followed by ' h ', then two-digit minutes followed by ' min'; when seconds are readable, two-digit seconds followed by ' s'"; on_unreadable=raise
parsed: 5 h 33 min 44 s
